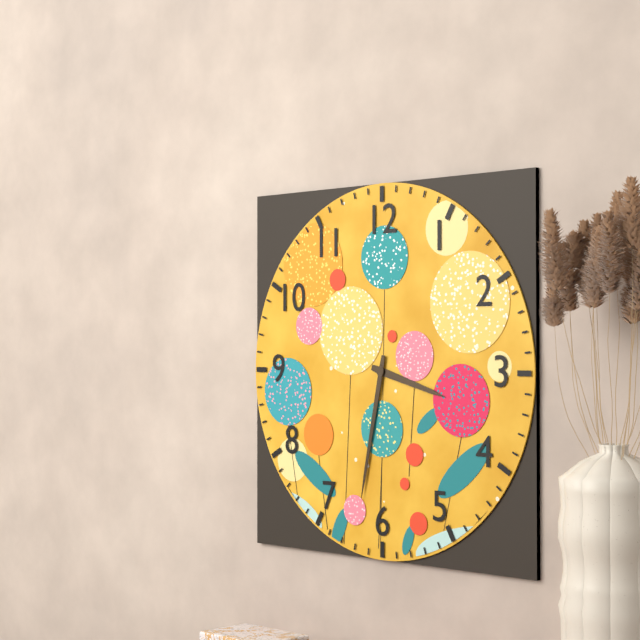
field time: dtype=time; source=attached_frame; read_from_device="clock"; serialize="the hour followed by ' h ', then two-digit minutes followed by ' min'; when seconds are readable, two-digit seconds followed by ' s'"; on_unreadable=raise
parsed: 3 h 32 min
